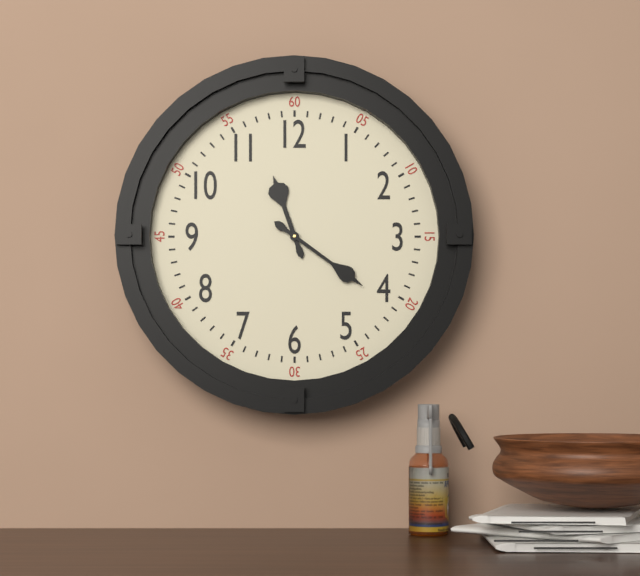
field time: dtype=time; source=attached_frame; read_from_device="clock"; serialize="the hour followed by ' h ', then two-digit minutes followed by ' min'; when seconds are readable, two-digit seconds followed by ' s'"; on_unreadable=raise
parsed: 11 h 21 min
